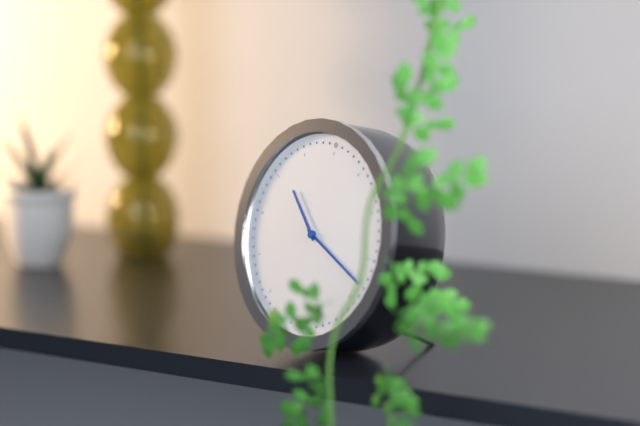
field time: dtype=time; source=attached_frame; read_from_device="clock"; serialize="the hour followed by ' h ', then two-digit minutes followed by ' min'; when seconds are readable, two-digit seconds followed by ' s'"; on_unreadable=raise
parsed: 10 h 18 min
